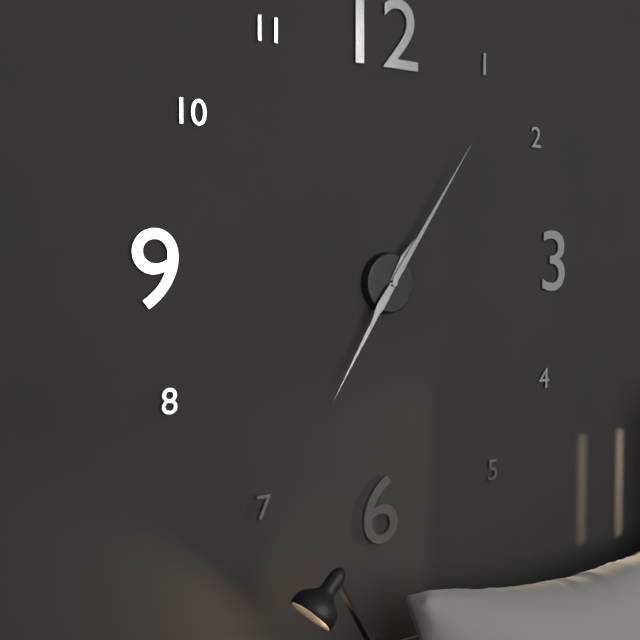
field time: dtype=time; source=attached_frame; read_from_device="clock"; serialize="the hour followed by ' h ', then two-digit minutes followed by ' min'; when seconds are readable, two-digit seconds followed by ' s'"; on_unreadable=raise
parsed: 7 h 06 min
